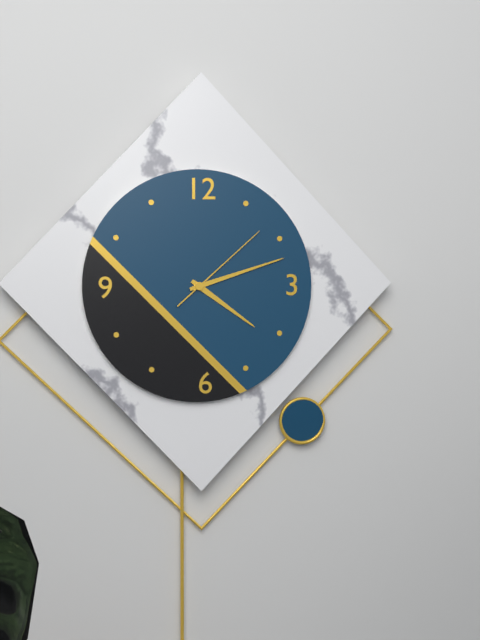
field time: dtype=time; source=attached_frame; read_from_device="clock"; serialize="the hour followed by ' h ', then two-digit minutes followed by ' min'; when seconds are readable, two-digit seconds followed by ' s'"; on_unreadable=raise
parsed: 4 h 12 min 08 s
